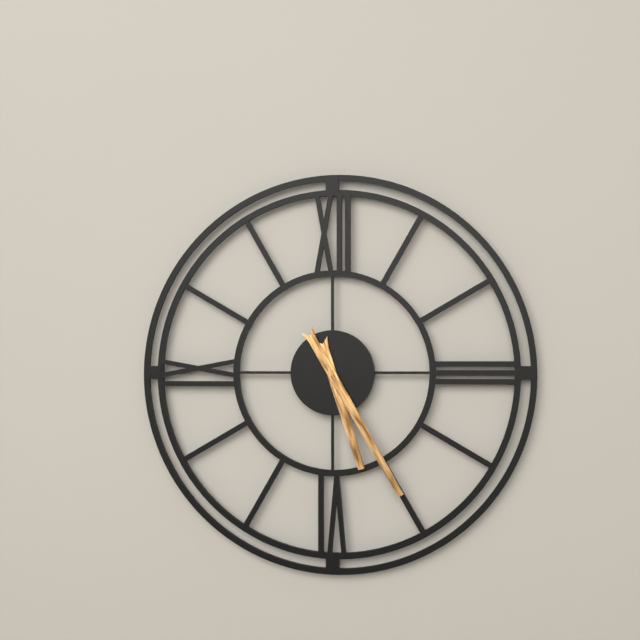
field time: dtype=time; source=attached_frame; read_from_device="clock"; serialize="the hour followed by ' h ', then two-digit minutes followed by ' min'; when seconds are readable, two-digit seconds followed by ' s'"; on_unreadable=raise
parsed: 5 h 25 min
